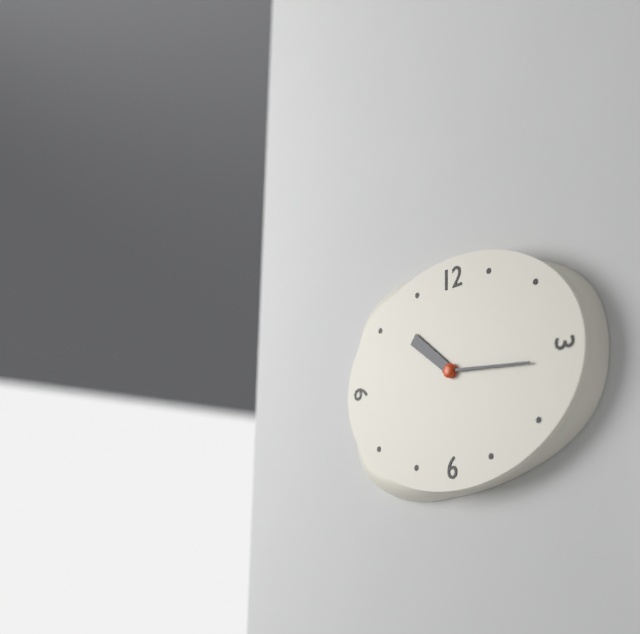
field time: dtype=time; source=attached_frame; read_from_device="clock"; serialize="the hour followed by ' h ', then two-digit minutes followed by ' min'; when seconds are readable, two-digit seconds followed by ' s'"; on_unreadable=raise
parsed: 10 h 16 min
